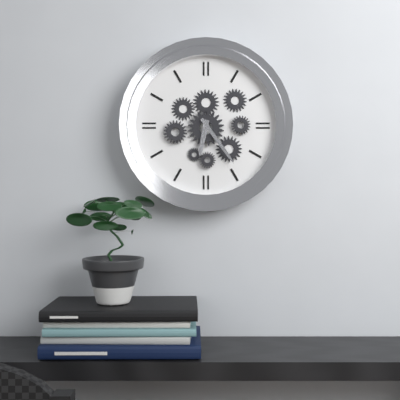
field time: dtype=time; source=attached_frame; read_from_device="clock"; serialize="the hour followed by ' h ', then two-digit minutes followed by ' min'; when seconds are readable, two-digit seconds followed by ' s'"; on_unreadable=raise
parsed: 6 h 24 min
